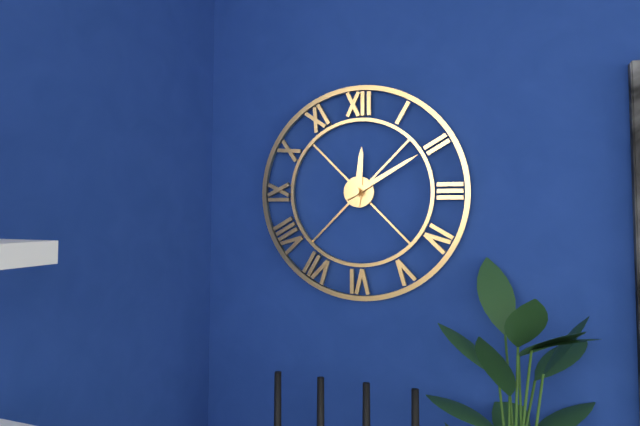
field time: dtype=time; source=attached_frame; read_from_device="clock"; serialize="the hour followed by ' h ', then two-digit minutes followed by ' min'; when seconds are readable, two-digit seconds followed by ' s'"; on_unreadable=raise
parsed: 12 h 10 min
